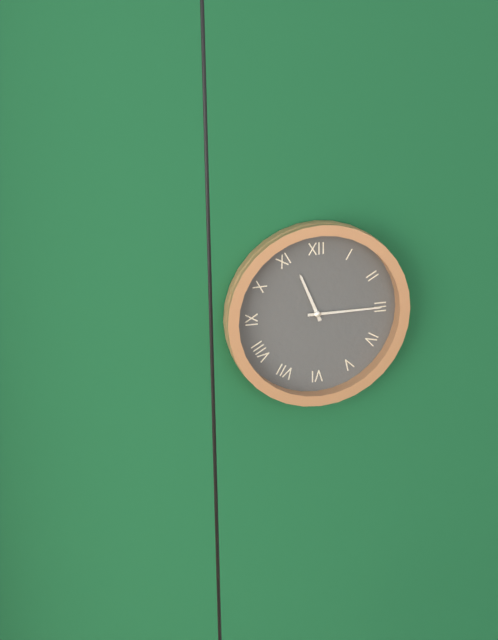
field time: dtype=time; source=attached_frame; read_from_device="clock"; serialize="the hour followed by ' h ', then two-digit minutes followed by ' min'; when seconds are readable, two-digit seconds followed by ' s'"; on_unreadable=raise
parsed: 11 h 15 min
